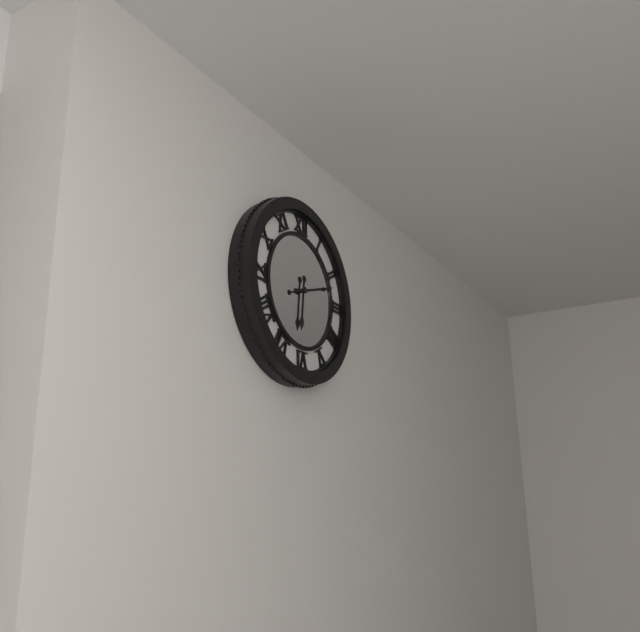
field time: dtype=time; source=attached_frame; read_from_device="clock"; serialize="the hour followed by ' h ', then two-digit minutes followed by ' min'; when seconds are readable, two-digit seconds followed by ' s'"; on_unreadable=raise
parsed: 6 h 12 min
